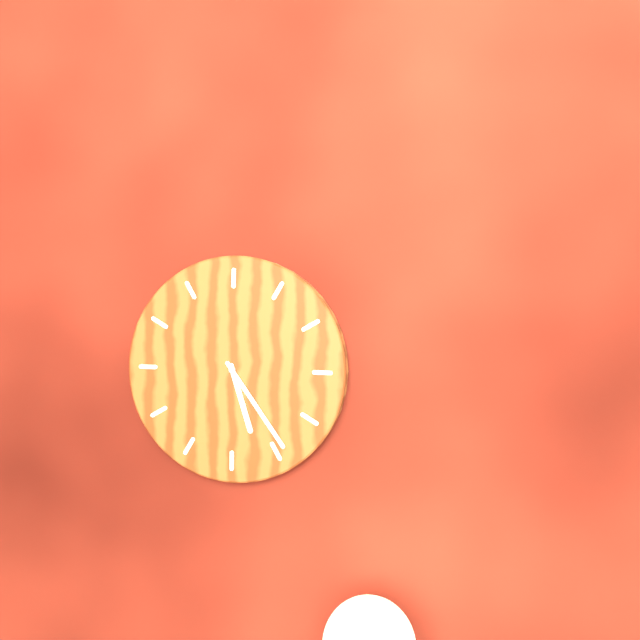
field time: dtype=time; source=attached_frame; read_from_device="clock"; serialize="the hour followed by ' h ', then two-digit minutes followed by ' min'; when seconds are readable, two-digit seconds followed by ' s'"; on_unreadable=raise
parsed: 5 h 24 min
